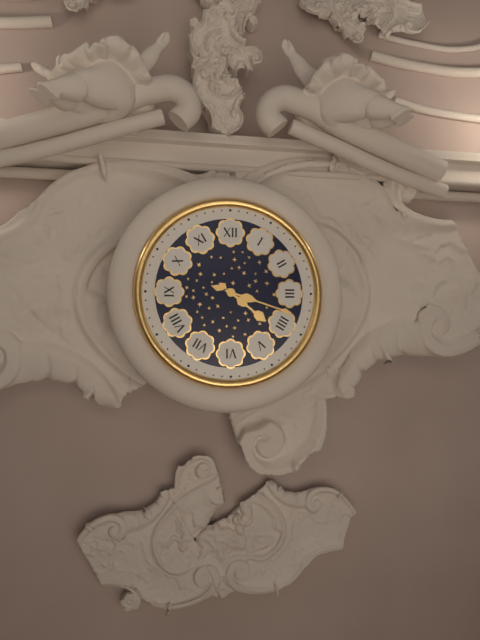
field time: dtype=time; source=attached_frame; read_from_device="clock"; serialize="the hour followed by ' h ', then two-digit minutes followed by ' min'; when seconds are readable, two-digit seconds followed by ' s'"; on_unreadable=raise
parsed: 4 h 18 min
